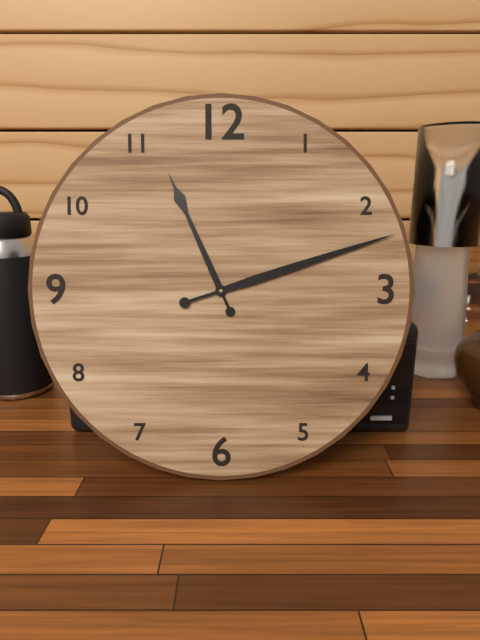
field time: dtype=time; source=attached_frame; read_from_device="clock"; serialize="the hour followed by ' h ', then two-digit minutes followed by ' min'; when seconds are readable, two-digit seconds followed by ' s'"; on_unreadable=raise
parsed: 11 h 12 min
